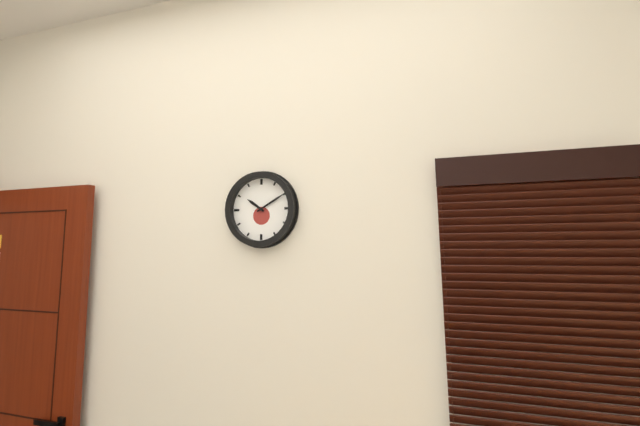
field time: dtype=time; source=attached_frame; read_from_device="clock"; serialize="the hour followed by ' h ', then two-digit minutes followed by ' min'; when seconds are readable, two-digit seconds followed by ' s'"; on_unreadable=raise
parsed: 10 h 10 min
